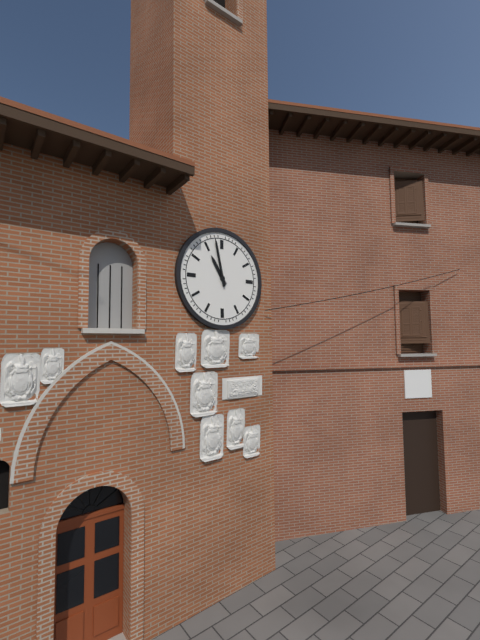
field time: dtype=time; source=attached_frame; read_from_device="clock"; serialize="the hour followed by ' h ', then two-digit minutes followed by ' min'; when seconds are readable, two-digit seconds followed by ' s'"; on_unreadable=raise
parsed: 10 h 58 min
